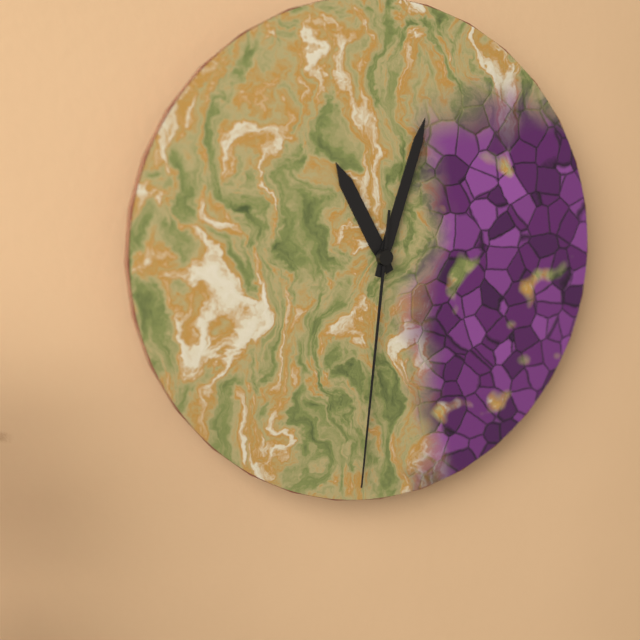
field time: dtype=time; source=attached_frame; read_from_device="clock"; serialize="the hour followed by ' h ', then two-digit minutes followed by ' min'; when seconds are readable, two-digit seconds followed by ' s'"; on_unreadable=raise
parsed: 11 h 03 min 31 s
